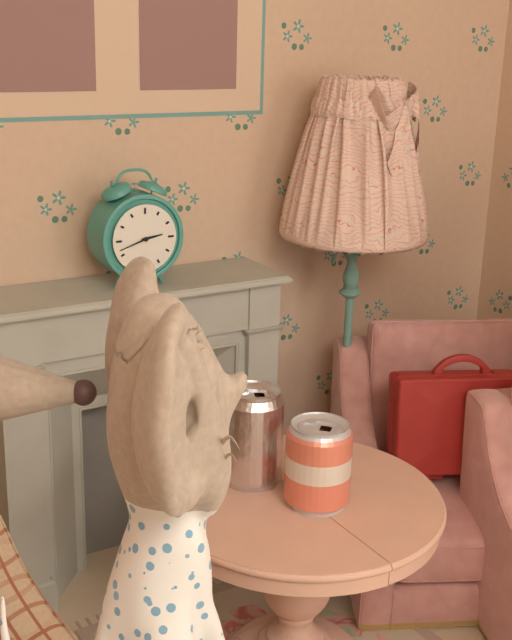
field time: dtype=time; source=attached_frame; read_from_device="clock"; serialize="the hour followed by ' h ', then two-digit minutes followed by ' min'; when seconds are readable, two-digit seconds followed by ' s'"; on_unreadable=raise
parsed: 2 h 42 min
